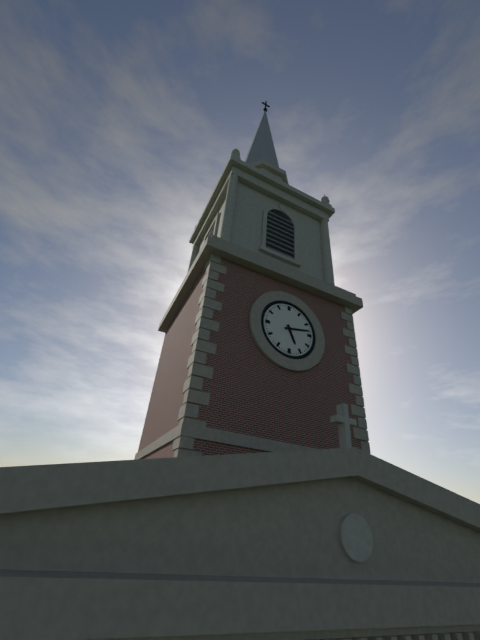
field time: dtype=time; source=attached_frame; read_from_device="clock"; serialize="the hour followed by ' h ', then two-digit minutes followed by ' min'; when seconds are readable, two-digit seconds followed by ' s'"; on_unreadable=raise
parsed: 5 h 13 min
